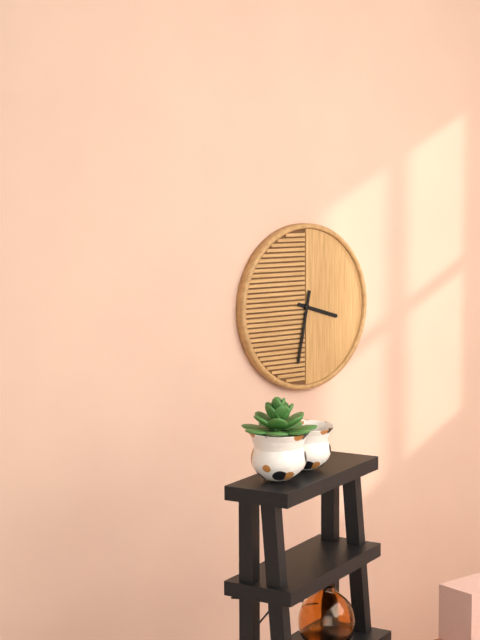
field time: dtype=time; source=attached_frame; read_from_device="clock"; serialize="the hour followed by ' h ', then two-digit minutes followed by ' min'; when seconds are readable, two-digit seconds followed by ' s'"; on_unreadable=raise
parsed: 3 h 32 min
